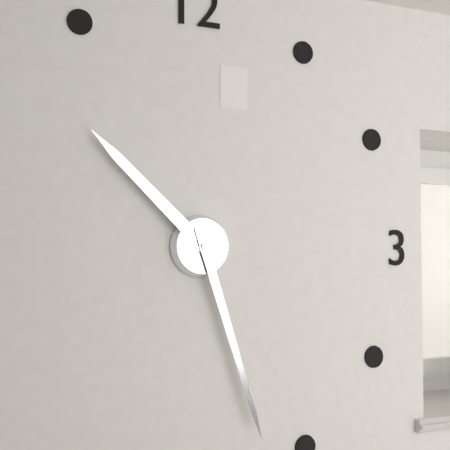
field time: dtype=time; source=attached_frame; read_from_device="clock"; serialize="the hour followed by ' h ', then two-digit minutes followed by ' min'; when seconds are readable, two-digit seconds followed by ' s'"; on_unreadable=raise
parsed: 10 h 27 min
